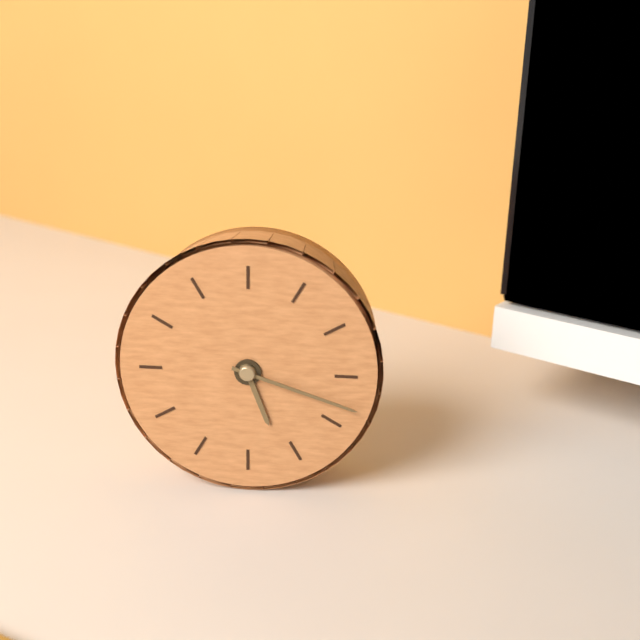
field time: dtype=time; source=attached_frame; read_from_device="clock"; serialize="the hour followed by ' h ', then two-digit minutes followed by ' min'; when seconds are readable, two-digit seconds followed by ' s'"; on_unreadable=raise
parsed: 5 h 18 min
